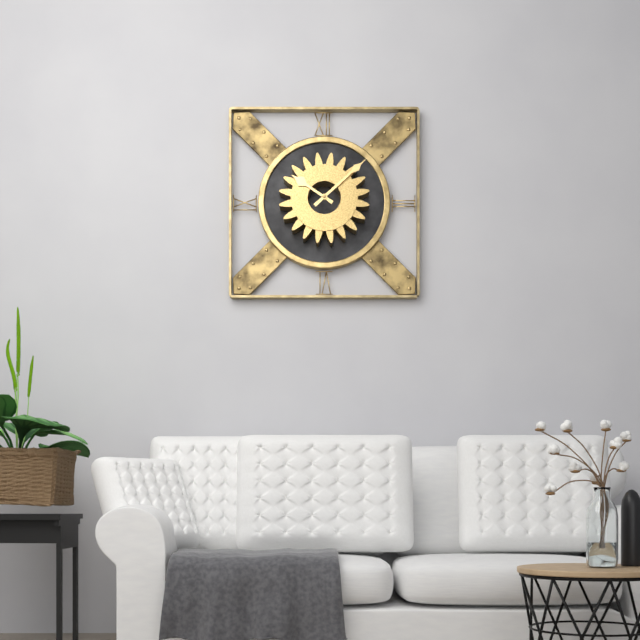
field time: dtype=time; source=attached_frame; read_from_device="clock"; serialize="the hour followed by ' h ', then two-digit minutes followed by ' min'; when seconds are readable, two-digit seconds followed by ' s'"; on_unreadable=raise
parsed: 10 h 08 min
